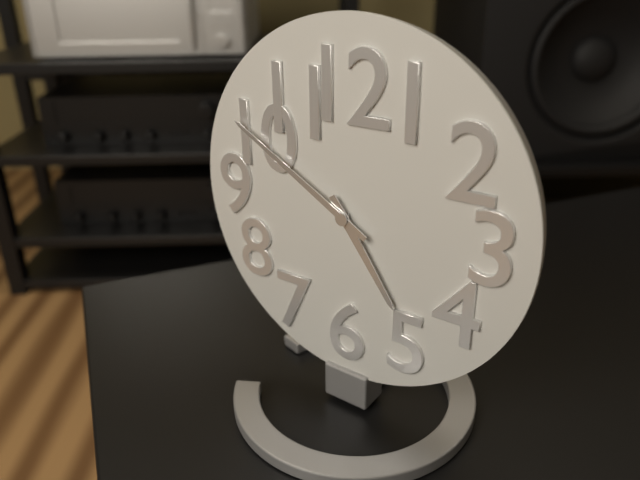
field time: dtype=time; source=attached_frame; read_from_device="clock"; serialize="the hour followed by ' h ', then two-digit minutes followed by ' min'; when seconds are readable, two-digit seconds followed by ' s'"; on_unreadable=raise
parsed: 4 h 50 min
